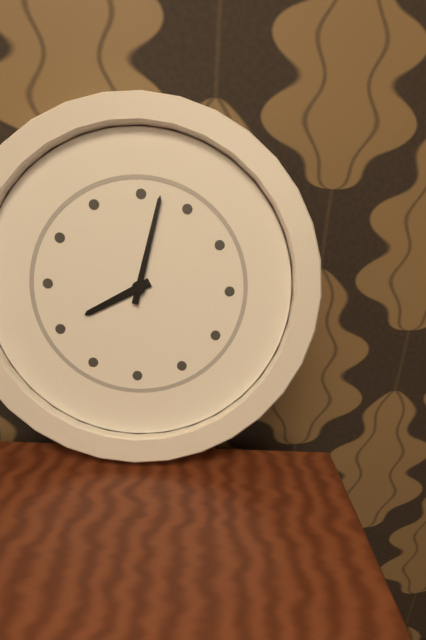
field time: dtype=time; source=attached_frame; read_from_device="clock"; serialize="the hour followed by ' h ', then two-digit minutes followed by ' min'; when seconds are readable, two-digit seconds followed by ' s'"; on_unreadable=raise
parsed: 8 h 02 min
